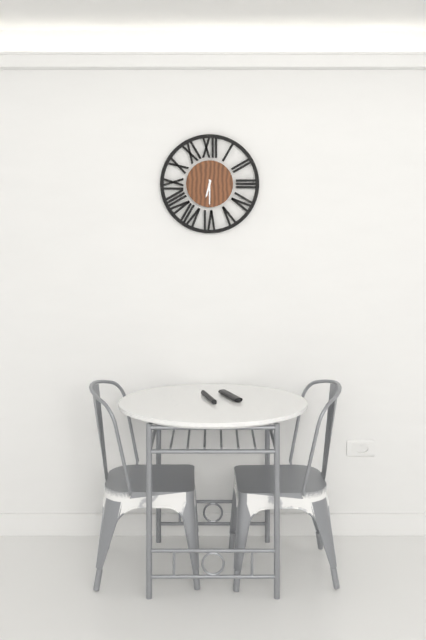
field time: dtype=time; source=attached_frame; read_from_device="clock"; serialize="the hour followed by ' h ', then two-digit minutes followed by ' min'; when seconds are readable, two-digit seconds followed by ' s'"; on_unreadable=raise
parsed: 6 h 30 min
